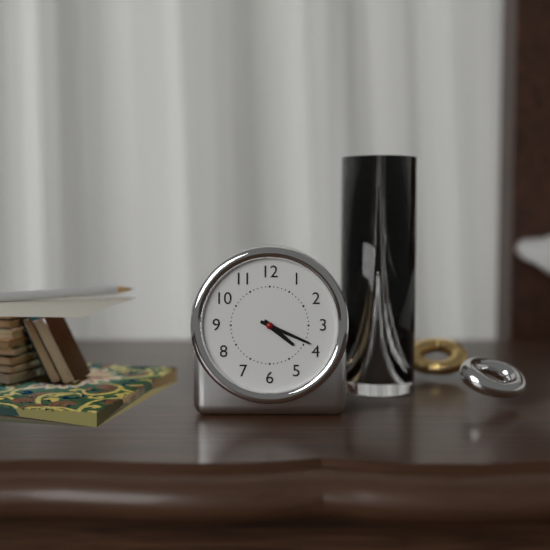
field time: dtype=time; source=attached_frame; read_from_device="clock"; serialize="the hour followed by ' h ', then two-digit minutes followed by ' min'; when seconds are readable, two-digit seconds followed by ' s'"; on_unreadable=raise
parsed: 4 h 19 min
